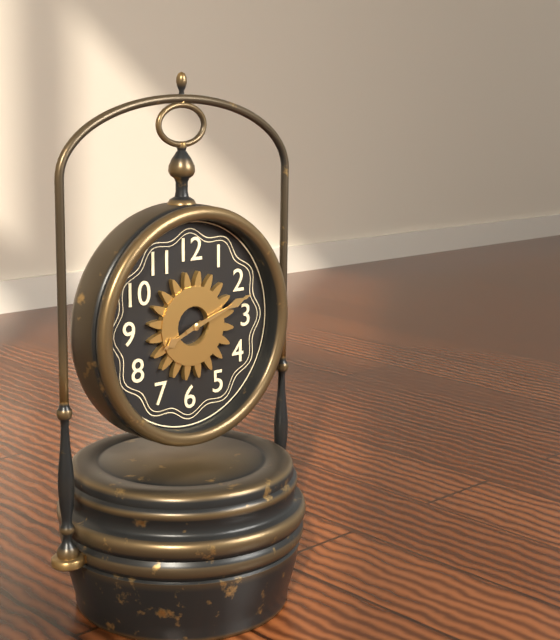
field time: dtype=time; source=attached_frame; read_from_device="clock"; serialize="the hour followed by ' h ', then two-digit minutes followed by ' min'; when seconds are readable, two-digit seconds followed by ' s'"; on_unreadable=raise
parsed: 8 h 12 min
